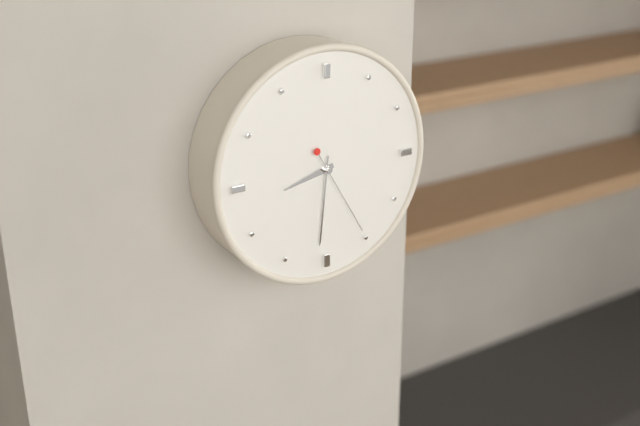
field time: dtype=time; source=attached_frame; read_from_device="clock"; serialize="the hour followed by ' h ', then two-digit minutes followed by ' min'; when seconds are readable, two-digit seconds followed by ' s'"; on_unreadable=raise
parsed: 8 h 31 min 25 s
